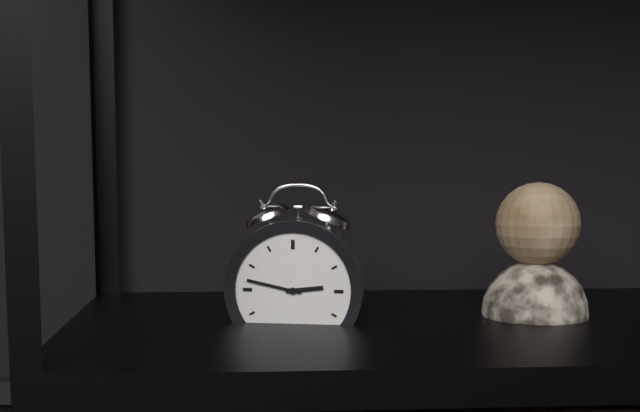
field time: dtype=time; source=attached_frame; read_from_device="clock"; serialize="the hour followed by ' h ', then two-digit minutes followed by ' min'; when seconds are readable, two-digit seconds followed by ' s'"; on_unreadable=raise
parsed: 2 h 47 min
